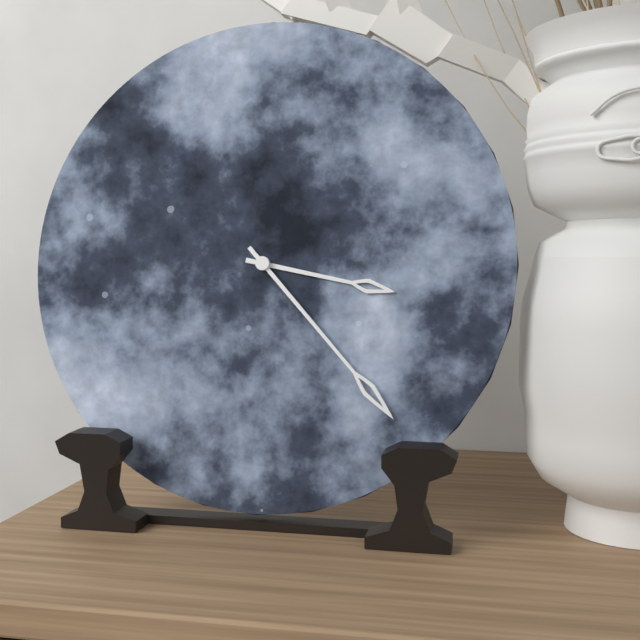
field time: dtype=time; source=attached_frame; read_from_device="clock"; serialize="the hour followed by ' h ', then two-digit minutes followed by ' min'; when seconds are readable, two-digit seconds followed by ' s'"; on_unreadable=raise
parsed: 3 h 23 min
